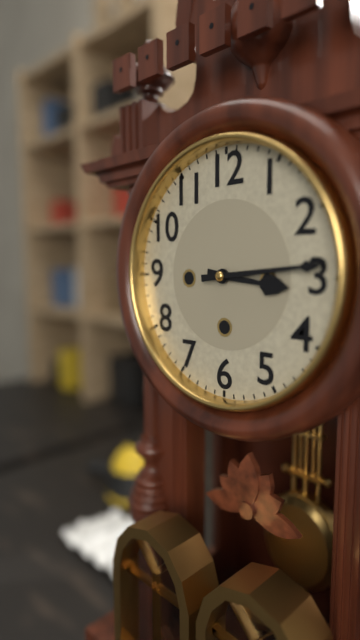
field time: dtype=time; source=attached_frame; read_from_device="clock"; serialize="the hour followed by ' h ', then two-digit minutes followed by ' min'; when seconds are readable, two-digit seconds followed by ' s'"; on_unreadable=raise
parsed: 3 h 14 min
